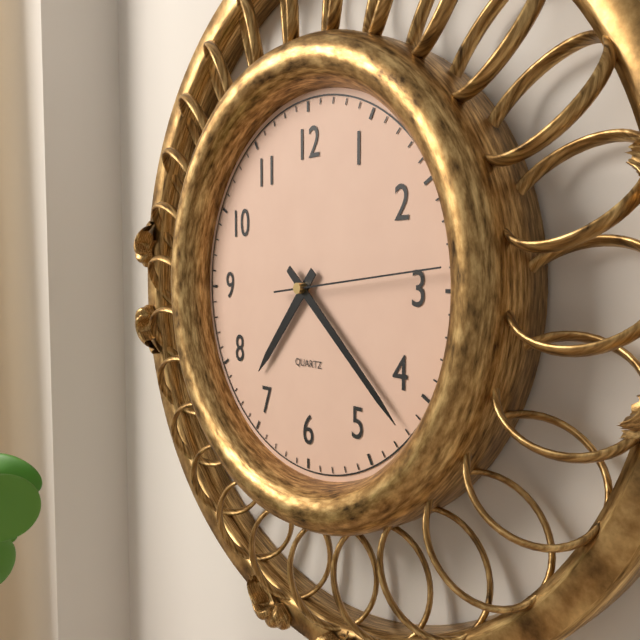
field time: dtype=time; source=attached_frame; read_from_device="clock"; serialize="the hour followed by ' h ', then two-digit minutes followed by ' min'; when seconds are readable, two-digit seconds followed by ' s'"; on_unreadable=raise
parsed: 7 h 22 min 14 s
